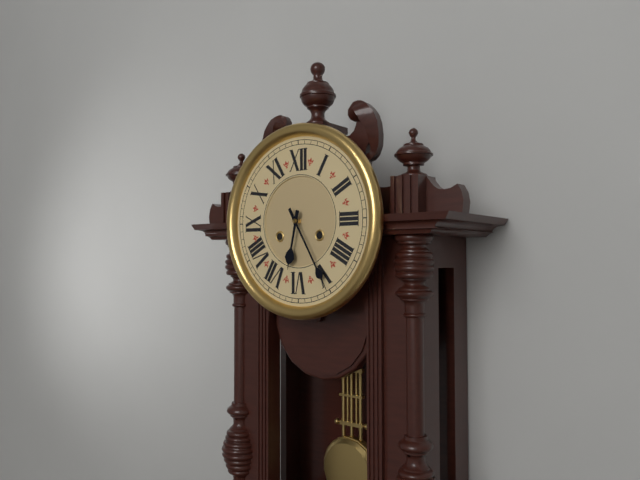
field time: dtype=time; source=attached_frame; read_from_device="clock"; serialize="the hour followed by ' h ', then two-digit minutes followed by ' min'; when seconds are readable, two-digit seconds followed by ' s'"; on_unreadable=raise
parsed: 6 h 25 min
